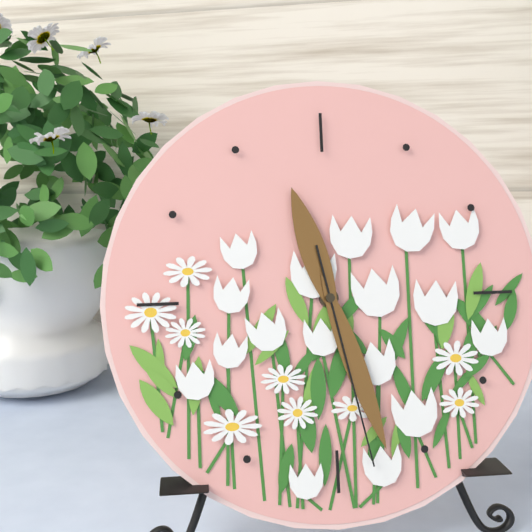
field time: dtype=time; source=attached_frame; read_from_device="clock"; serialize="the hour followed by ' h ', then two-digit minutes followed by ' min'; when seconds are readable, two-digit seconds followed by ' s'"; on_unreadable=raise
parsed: 11 h 27 min 28 s
